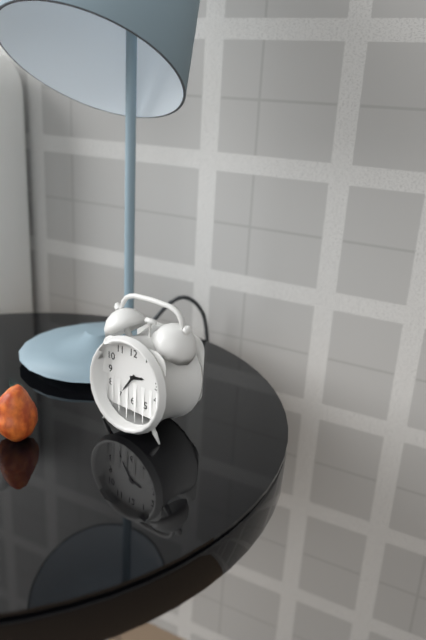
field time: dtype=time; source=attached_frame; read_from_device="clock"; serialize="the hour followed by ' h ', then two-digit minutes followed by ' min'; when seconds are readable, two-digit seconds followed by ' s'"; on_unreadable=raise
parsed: 2 h 36 min
